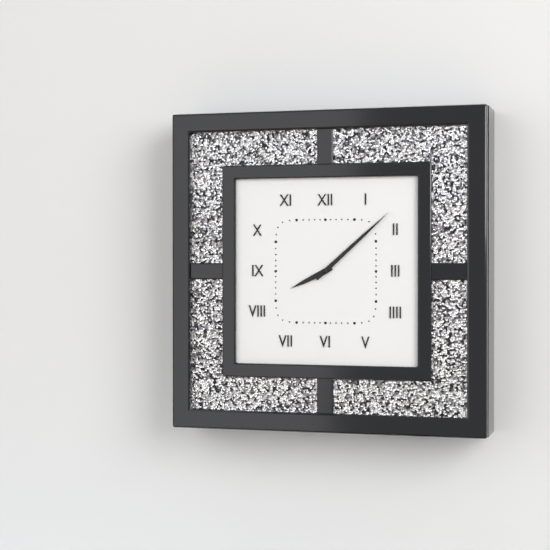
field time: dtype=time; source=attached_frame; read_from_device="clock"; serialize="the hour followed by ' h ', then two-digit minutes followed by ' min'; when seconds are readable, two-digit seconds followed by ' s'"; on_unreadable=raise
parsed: 8 h 08 min
